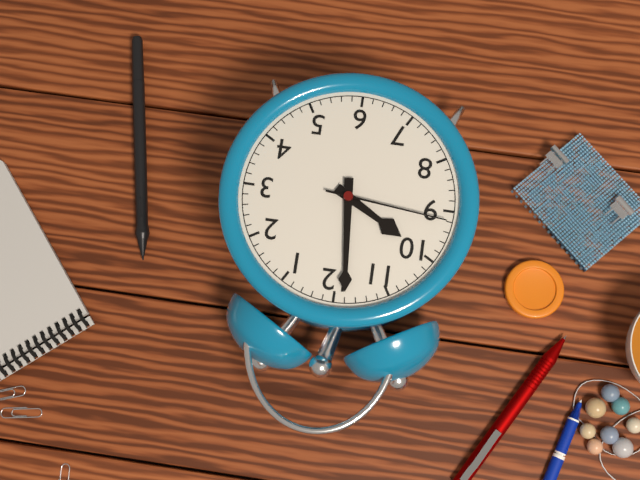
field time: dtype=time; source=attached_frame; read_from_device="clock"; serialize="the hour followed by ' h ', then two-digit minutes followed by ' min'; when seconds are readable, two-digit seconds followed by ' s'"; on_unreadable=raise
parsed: 9 h 59 min 46 s
